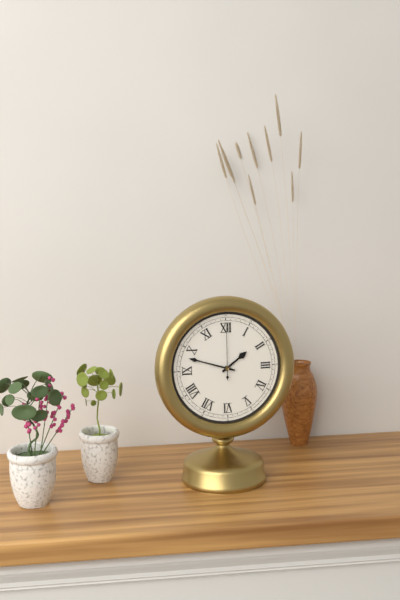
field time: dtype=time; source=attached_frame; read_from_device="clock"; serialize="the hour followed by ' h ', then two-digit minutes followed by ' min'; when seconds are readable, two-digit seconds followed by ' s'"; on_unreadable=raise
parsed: 1 h 48 min 00 s
